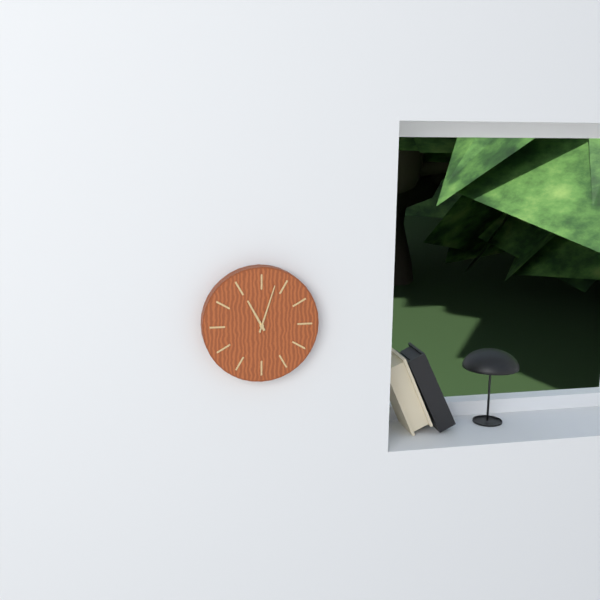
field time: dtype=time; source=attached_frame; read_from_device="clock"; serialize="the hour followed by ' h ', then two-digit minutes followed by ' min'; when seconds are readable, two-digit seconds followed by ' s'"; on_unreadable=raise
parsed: 11 h 03 min
